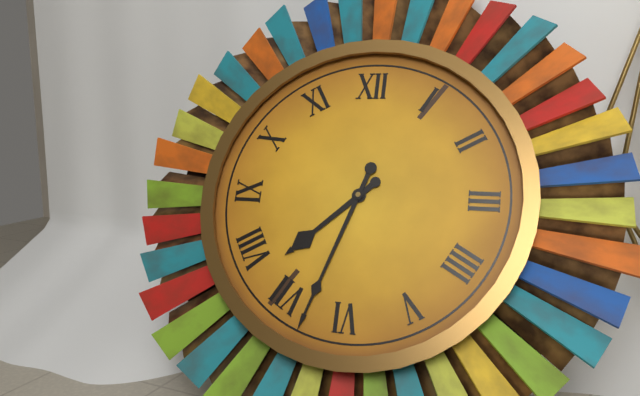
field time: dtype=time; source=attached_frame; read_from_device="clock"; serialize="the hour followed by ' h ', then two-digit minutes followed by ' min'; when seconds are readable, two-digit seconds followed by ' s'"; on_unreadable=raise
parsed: 7 h 33 min
